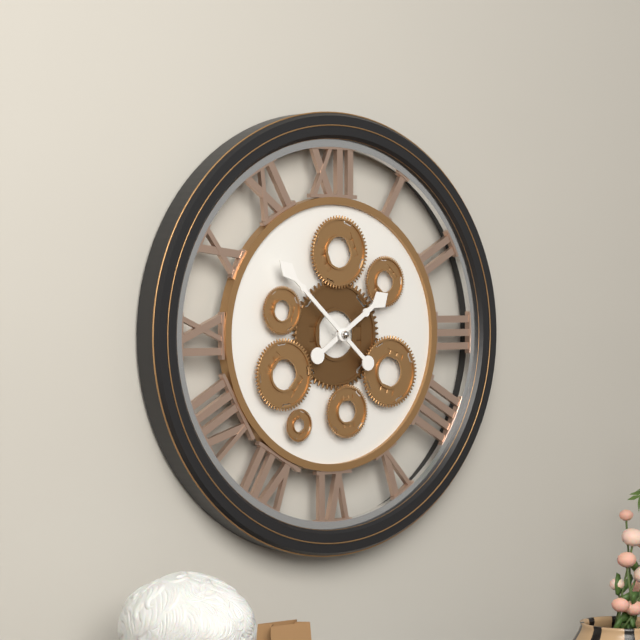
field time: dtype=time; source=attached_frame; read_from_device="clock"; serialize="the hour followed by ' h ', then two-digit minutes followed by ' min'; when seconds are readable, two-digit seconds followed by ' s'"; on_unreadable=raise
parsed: 1 h 52 min
